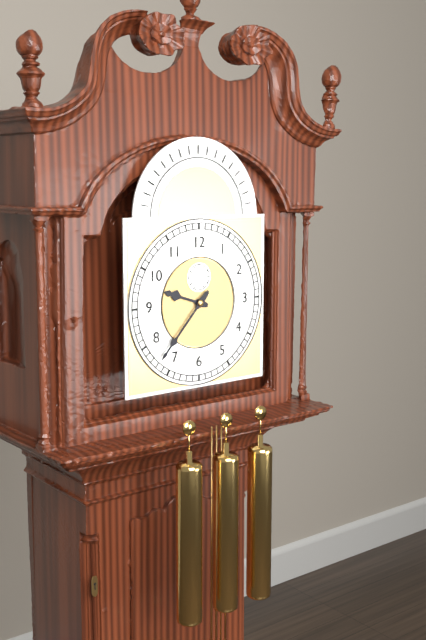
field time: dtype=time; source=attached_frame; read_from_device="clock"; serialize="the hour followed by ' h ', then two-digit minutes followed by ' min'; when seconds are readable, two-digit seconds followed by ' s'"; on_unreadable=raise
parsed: 9 h 37 min
